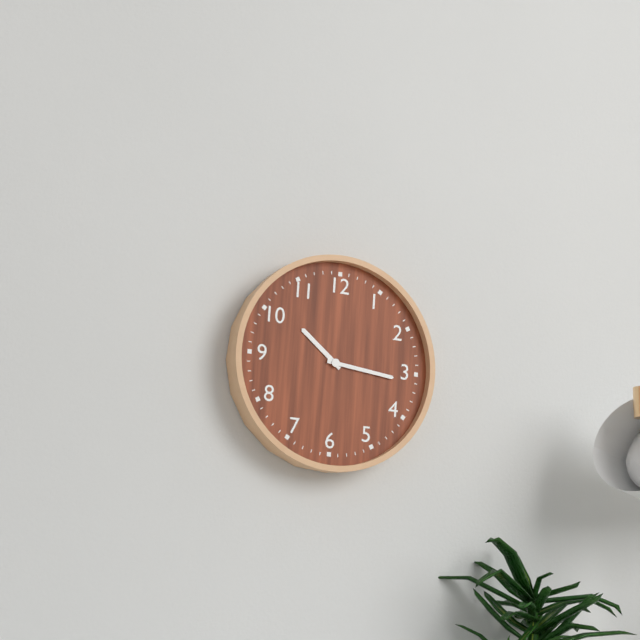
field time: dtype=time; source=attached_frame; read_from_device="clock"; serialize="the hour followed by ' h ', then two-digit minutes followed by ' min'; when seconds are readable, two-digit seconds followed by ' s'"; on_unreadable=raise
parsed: 10 h 16 min
